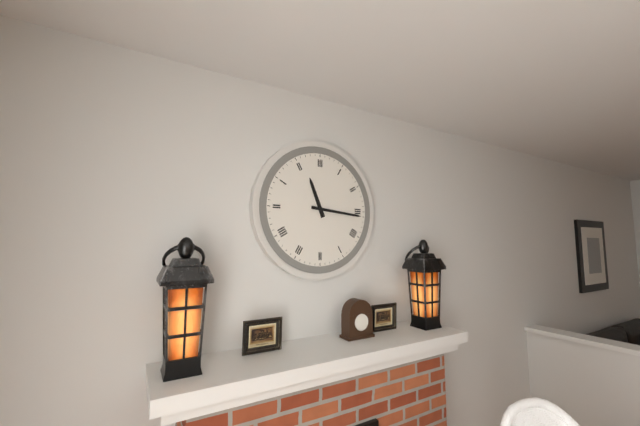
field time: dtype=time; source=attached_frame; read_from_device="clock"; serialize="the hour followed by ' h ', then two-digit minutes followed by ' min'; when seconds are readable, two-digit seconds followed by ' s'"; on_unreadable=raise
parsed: 11 h 16 min
